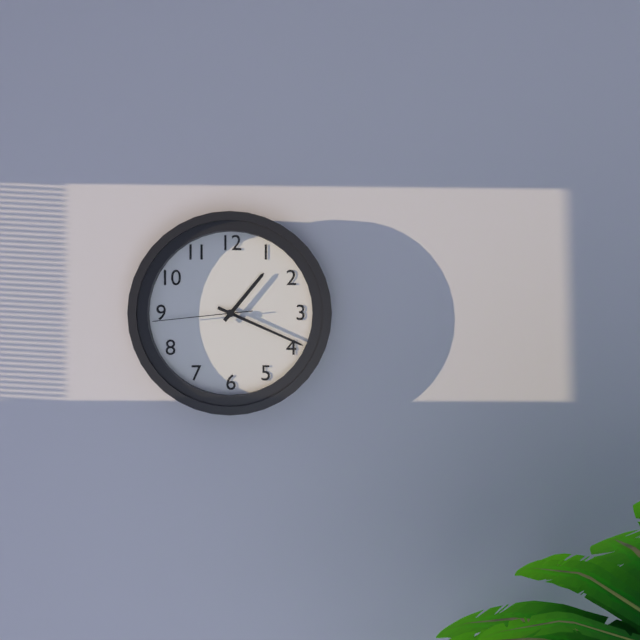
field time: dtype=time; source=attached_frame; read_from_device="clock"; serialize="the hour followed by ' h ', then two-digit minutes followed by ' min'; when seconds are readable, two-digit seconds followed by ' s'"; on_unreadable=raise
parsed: 1 h 19 min 44 s
